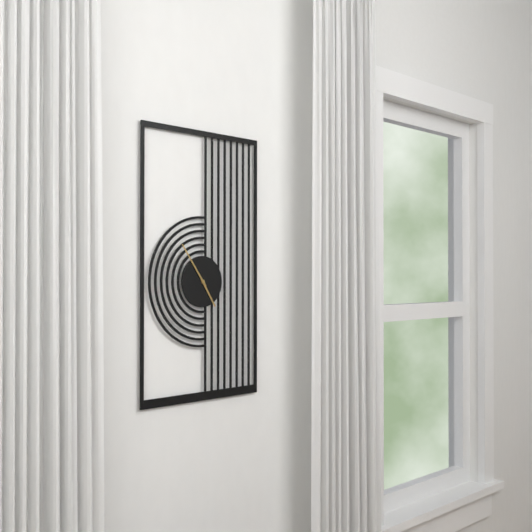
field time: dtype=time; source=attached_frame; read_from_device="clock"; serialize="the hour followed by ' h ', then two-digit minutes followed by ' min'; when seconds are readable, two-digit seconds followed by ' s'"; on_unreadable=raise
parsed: 4 h 54 min
